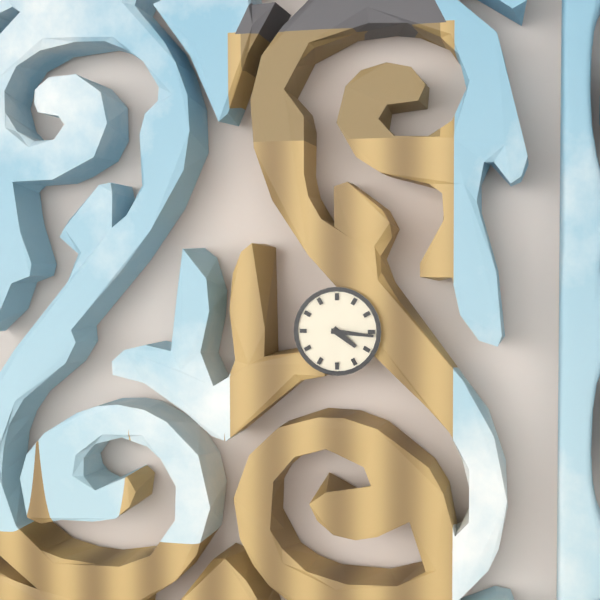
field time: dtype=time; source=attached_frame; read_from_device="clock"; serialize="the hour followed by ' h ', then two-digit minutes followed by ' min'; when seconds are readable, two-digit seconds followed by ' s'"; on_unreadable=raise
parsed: 4 h 16 min
